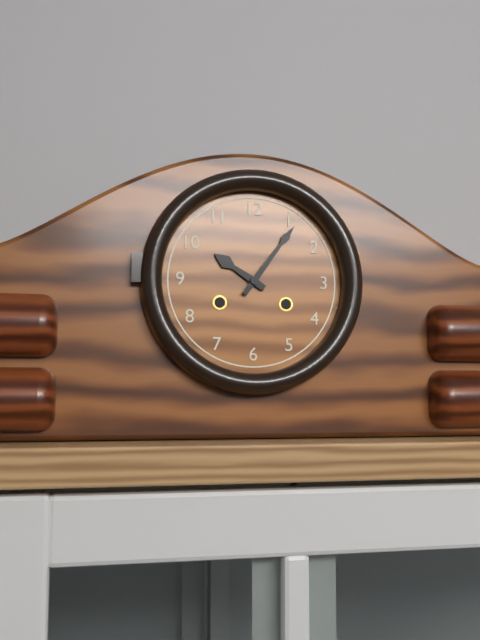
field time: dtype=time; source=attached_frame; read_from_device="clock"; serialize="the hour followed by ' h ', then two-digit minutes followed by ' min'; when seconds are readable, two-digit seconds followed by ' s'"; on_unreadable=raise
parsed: 10 h 06 min
